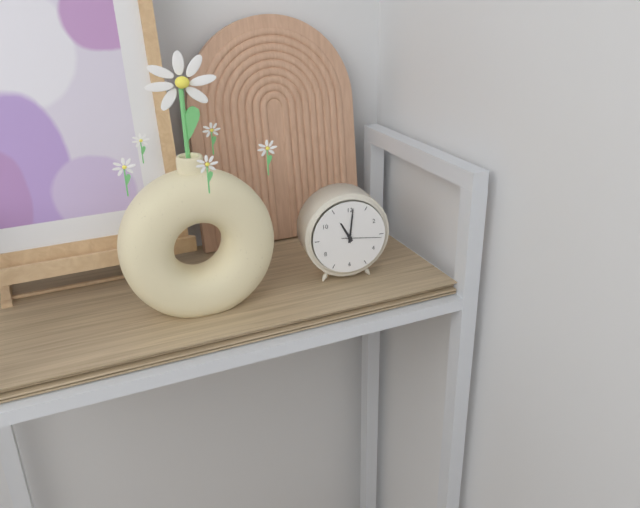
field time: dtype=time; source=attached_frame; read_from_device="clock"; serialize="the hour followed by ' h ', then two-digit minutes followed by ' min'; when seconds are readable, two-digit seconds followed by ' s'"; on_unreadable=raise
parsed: 11 h 01 min
